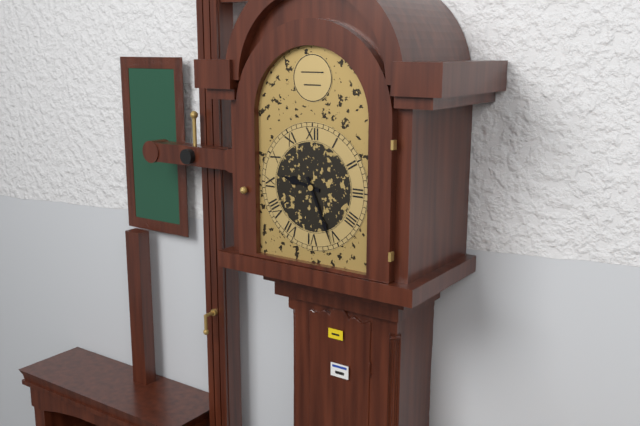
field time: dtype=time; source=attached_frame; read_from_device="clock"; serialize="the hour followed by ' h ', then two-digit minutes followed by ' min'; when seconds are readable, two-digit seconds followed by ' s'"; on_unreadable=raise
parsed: 9 h 26 min
